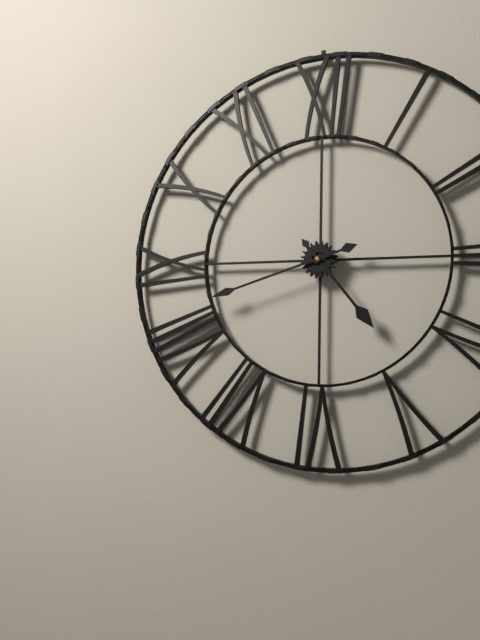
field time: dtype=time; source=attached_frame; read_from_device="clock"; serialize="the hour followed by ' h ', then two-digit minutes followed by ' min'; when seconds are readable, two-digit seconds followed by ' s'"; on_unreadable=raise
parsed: 4 h 42 min
